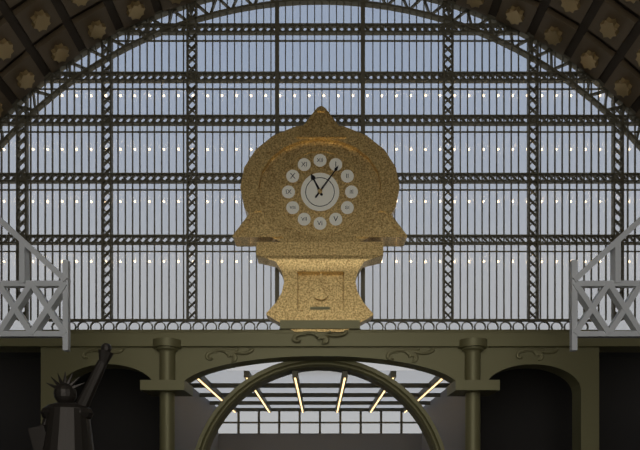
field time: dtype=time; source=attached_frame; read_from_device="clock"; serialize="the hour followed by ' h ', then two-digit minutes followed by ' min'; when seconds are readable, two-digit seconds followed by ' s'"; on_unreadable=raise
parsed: 11 h 06 min
